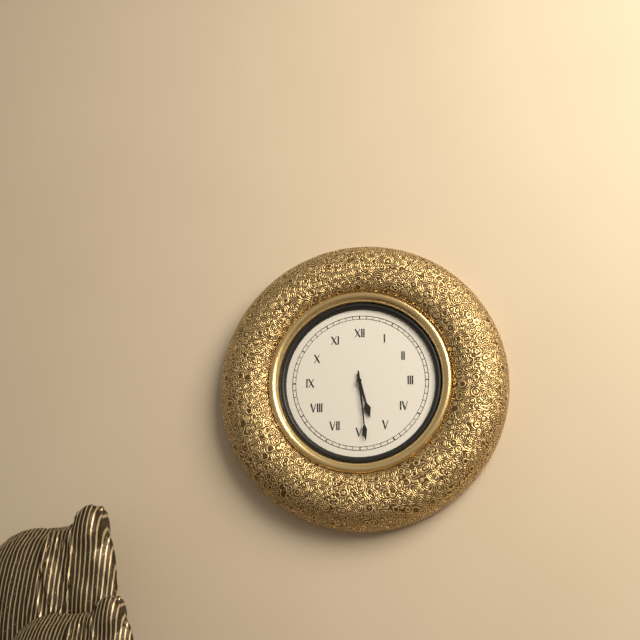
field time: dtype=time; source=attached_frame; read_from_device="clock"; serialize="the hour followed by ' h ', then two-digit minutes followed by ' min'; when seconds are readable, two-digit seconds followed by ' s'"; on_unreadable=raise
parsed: 5 h 29 min
